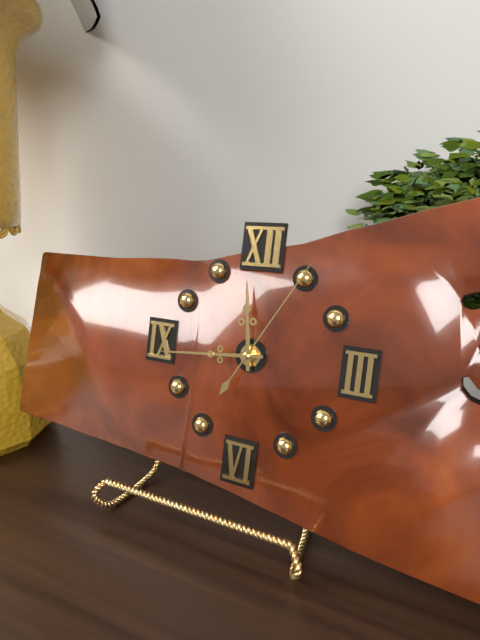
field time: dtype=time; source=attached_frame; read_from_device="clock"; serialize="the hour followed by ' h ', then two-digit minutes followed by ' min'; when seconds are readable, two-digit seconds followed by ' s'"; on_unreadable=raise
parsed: 11 h 44 min 05 s
